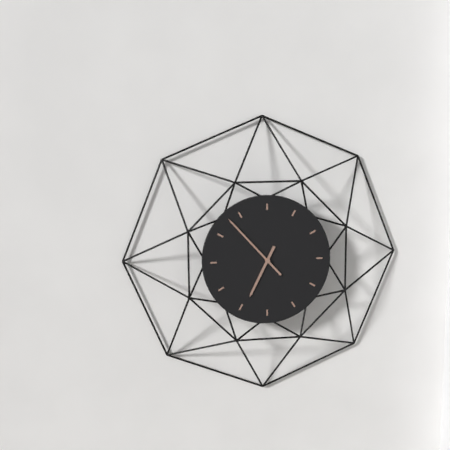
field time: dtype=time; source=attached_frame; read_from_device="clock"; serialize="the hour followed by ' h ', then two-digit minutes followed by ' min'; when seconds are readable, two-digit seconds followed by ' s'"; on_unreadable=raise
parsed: 6 h 53 min
